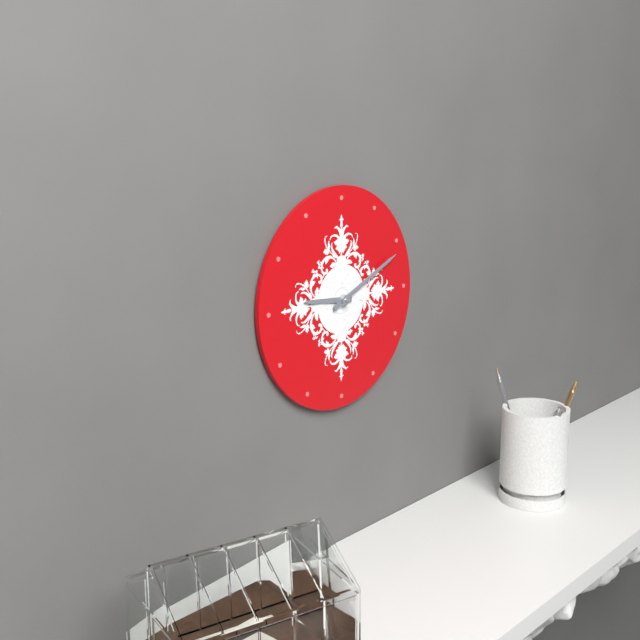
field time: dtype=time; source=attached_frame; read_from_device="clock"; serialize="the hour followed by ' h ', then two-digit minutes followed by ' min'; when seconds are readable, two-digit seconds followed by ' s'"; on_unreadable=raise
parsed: 9 h 11 min
